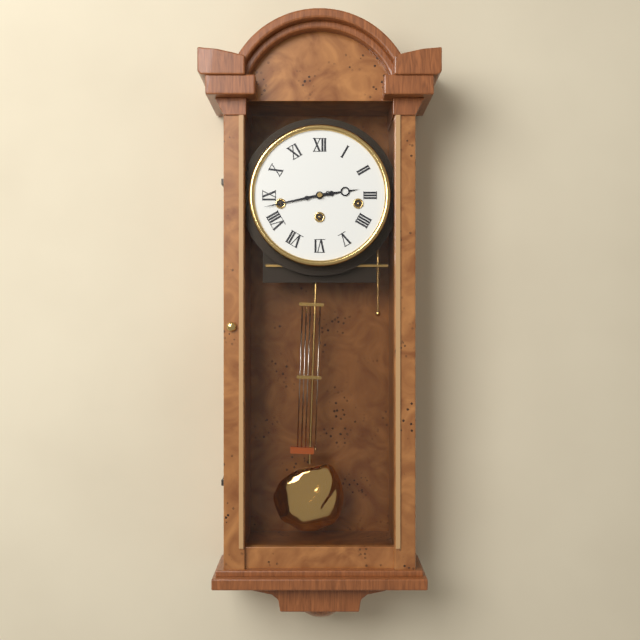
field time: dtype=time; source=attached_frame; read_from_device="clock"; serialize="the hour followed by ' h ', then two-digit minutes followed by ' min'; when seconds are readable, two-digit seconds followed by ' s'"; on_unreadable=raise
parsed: 2 h 43 min
